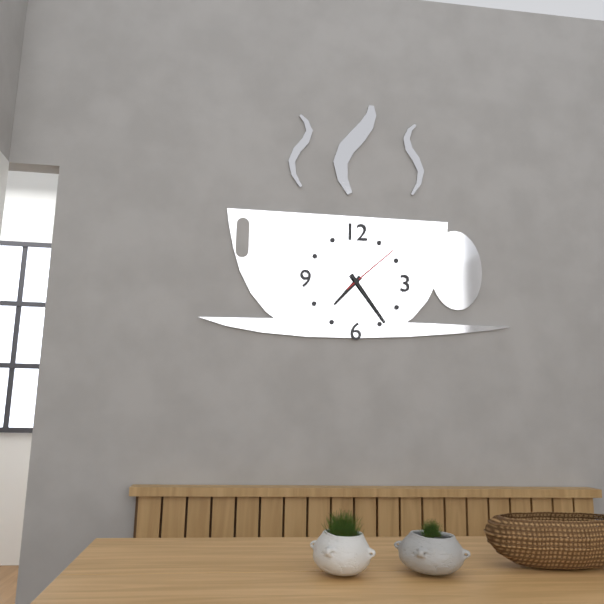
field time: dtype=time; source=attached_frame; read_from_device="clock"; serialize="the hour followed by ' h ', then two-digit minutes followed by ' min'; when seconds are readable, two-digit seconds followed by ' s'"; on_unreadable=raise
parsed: 7 h 24 min 08 s
